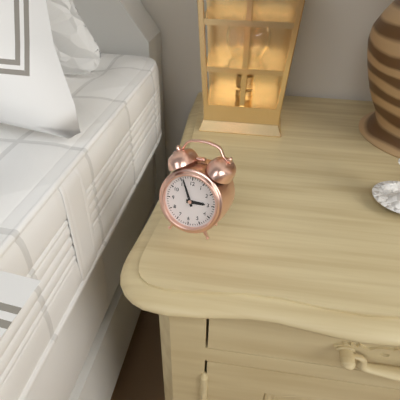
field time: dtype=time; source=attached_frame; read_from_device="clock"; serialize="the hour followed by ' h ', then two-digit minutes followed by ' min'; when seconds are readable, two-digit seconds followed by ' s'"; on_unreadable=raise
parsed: 2 h 56 min
